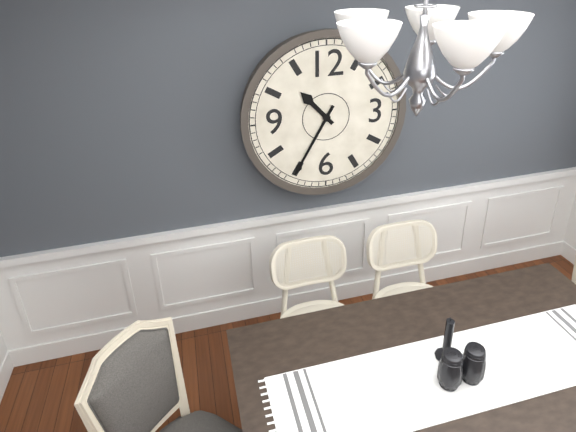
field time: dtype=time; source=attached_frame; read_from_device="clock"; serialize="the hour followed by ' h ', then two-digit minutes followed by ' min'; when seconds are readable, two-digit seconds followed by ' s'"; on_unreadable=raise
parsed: 10 h 35 min
